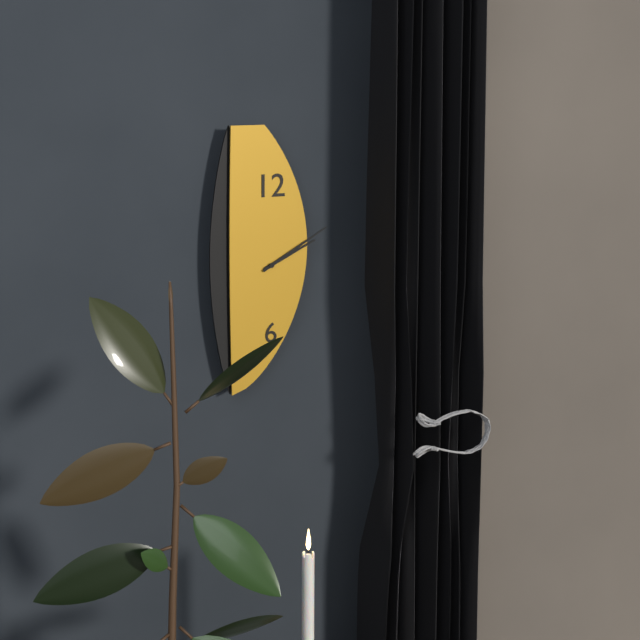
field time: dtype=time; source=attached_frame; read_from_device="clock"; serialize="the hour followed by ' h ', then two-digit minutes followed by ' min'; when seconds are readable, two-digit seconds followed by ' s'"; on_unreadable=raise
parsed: 2 h 10 min
